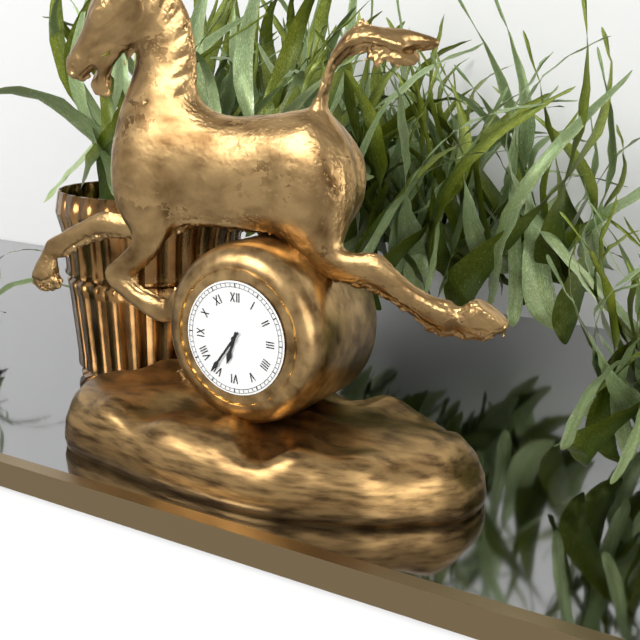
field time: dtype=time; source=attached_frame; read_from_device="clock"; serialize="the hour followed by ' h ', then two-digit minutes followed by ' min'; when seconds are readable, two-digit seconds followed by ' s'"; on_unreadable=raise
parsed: 6 h 36 min
